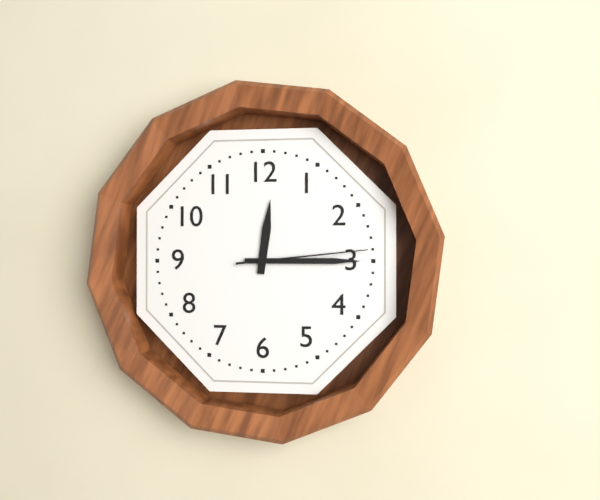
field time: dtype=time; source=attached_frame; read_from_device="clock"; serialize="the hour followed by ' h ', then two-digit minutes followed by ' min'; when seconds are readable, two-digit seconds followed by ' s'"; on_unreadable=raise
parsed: 12 h 15 min 14 s
